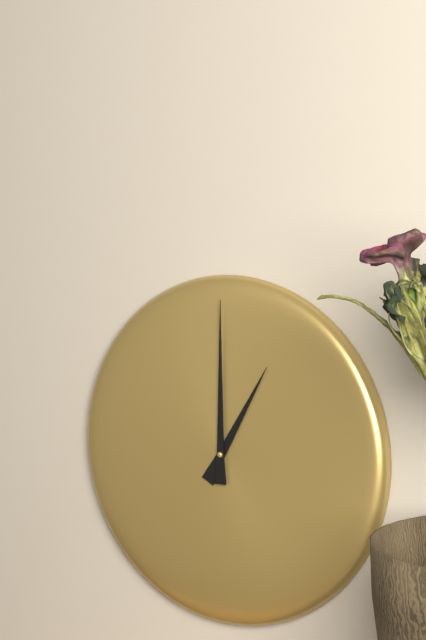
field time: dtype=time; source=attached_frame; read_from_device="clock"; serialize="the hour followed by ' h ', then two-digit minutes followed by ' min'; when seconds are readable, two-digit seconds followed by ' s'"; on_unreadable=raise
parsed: 1 h 00 min
